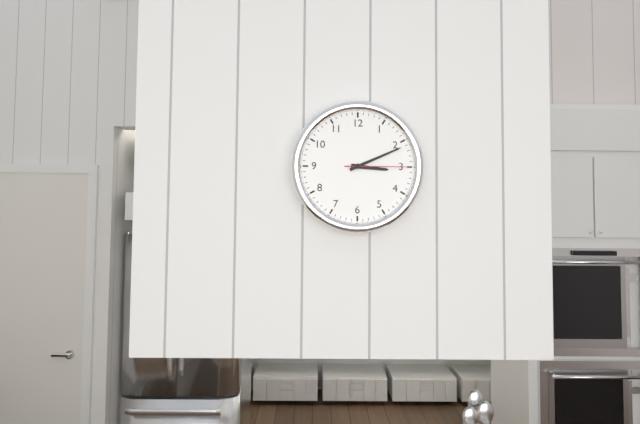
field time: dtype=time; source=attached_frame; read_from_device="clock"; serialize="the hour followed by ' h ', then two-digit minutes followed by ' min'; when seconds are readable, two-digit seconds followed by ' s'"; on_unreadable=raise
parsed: 3 h 11 min 15 s
